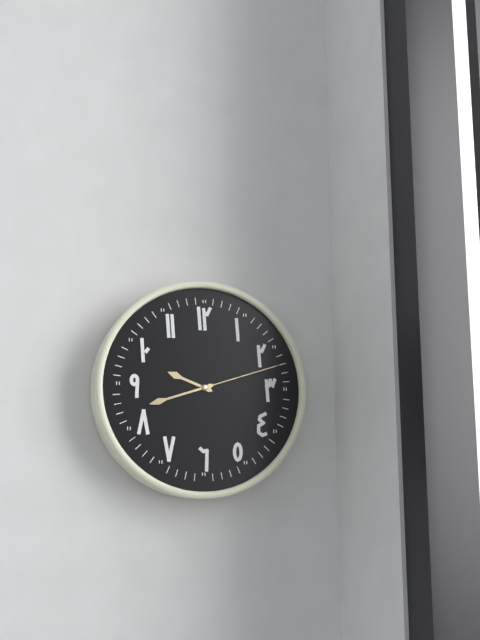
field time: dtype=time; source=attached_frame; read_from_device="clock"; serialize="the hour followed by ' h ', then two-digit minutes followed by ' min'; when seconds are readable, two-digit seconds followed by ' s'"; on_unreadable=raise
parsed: 9 h 42 min 12 s
